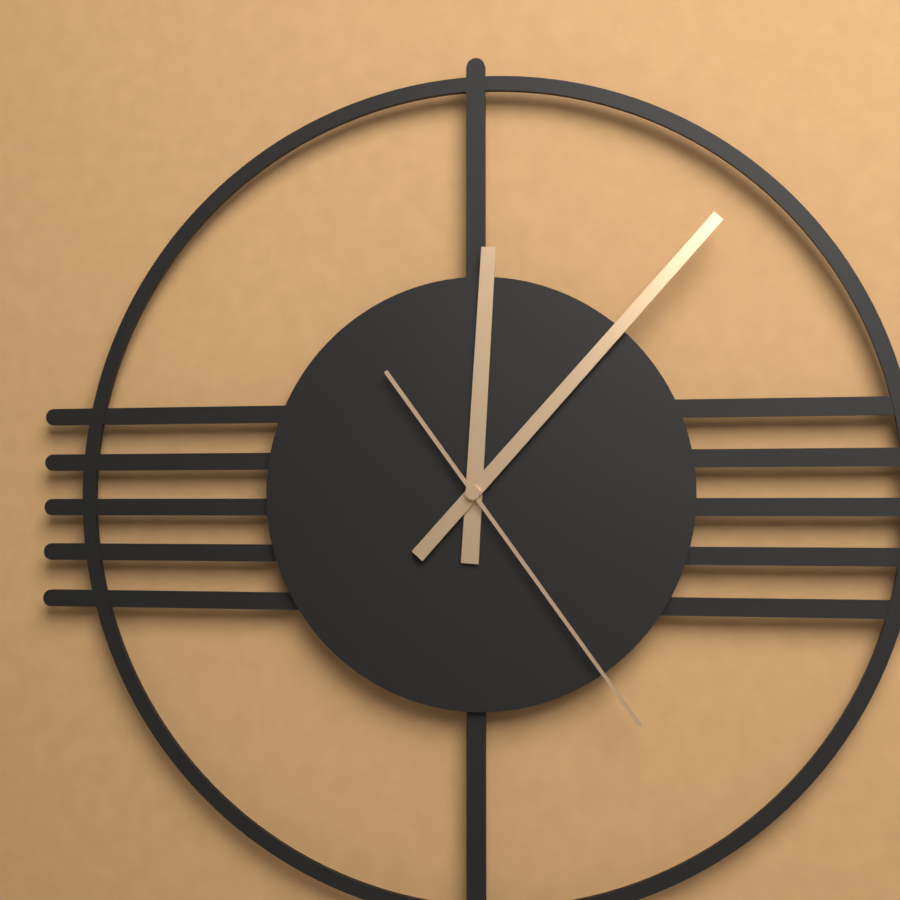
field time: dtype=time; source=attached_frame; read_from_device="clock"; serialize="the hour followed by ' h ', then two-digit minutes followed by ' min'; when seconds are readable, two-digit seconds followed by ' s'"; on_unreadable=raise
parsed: 12 h 07 min 24 s
